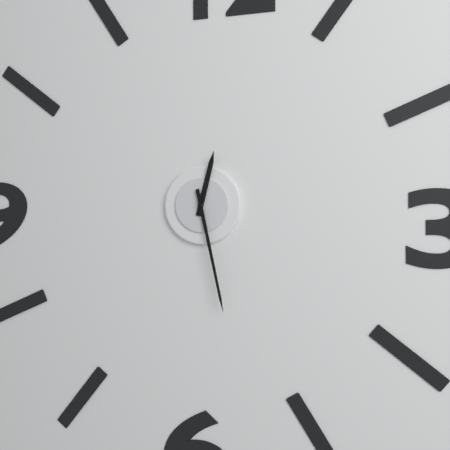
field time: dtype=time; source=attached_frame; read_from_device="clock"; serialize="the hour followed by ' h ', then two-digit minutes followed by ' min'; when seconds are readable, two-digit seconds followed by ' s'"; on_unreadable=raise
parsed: 12 h 28 min
